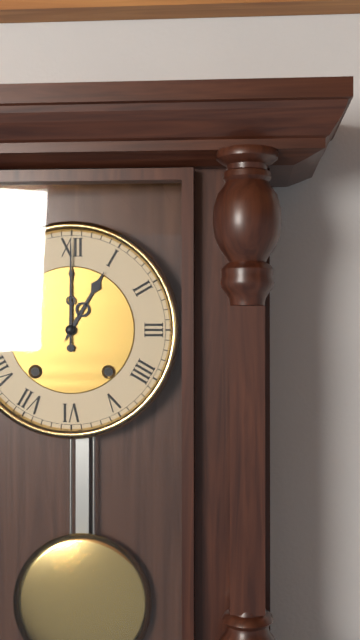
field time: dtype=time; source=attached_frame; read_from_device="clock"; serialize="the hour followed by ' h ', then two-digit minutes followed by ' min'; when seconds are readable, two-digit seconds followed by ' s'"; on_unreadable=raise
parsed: 1 h 00 min
